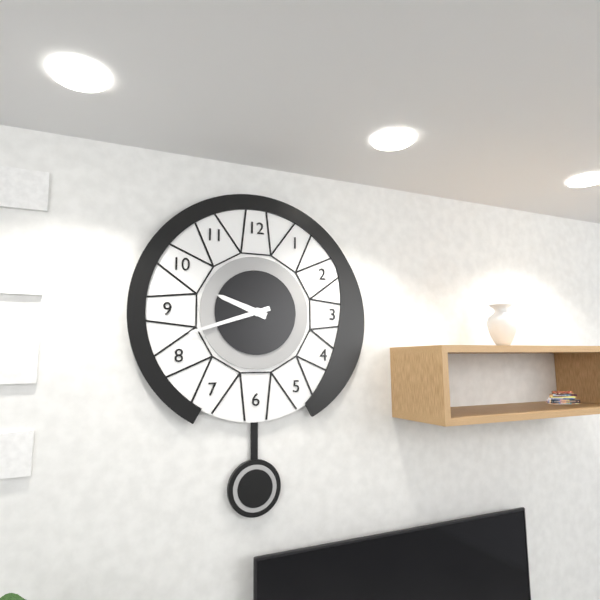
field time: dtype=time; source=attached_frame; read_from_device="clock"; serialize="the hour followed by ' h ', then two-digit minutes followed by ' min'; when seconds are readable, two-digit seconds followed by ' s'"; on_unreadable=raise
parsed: 9 h 42 min
